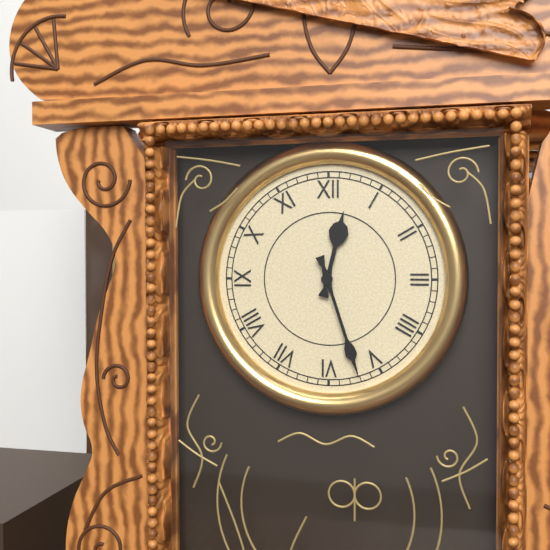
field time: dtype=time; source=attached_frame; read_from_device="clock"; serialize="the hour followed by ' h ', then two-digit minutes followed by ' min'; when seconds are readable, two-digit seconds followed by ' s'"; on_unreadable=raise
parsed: 12 h 27 min
